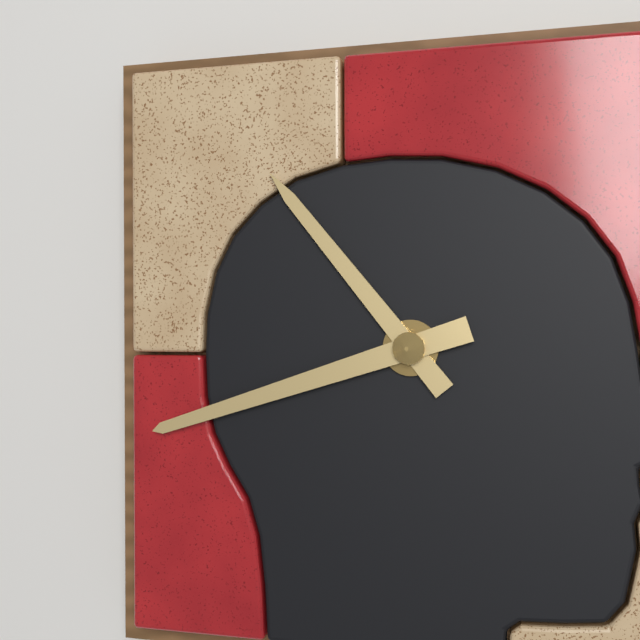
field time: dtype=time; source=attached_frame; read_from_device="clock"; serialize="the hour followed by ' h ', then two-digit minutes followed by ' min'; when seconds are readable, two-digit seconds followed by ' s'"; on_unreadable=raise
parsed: 10 h 42 min
